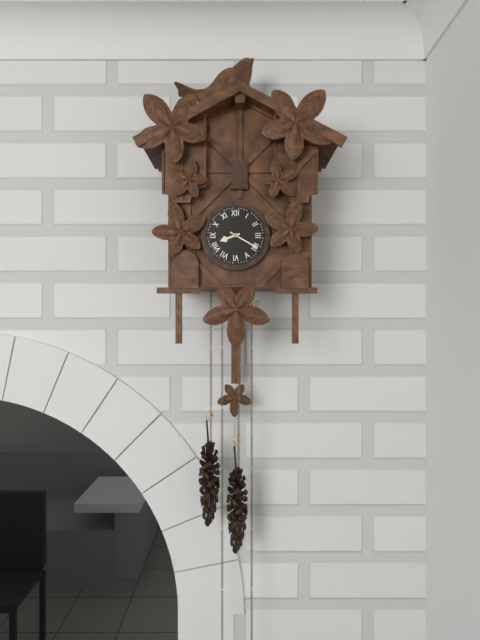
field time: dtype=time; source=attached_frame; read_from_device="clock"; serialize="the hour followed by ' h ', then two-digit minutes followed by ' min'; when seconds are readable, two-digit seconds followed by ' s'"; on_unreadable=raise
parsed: 8 h 20 min
